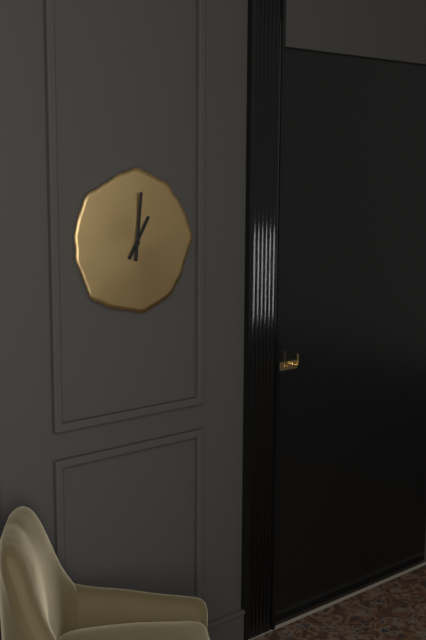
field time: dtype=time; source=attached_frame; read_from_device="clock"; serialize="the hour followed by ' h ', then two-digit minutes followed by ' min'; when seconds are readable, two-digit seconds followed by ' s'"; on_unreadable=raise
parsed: 1 h 01 min
